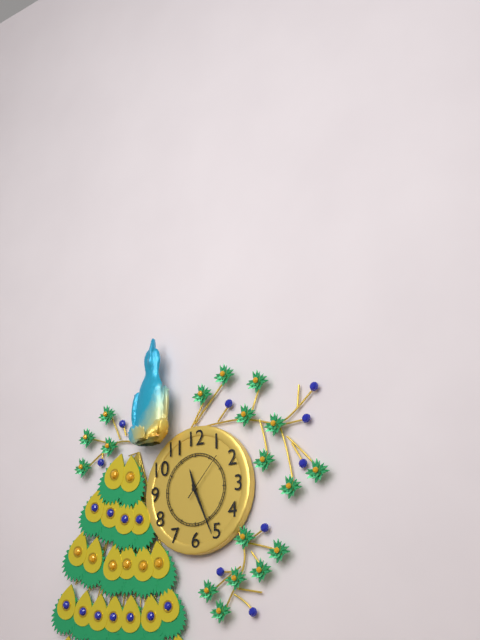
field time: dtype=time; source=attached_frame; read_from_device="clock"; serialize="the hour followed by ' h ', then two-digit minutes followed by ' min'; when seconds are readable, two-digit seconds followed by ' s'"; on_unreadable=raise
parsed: 11 h 26 min
